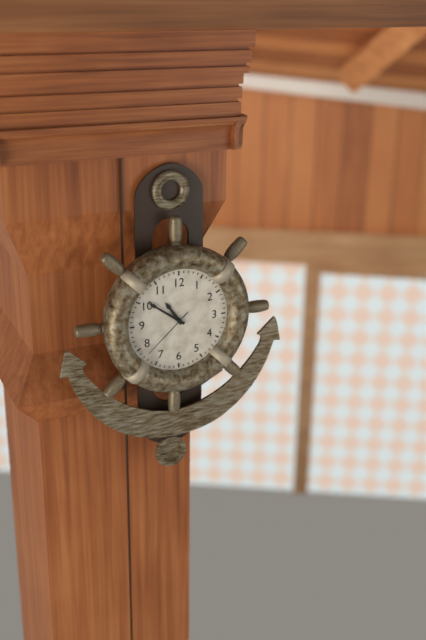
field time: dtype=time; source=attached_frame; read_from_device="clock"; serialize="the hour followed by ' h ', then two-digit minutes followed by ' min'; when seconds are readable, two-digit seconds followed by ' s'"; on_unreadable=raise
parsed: 10 h 51 min 38 s
